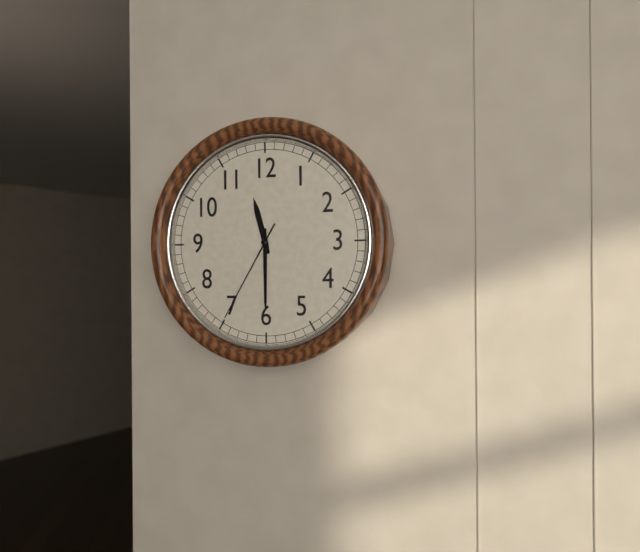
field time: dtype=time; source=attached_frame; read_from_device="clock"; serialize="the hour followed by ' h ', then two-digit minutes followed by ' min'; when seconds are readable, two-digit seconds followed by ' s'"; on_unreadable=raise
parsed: 11 h 30 min 35 s
